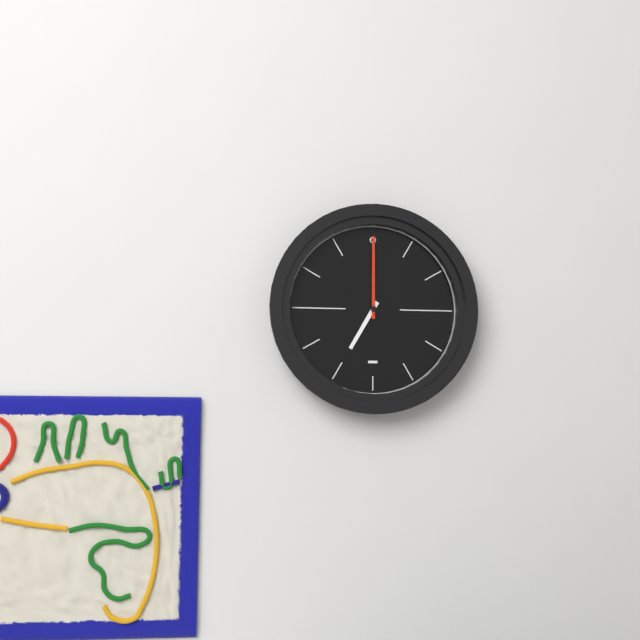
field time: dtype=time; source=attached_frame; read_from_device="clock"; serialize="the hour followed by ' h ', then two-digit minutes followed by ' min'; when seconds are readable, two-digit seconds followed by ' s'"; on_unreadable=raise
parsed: 7 h 00 min
